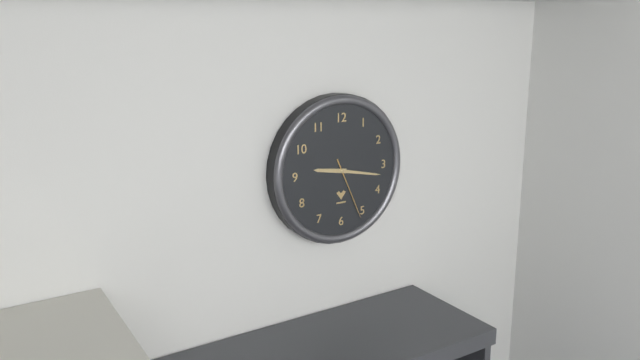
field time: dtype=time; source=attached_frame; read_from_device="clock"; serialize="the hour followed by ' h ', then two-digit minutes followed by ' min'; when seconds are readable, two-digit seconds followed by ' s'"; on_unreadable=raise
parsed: 9 h 17 min 26 s
